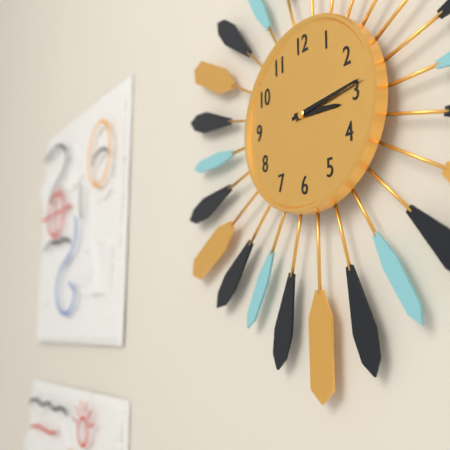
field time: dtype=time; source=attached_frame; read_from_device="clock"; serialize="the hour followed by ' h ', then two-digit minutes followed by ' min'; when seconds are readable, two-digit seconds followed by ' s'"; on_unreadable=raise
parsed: 3 h 14 min
